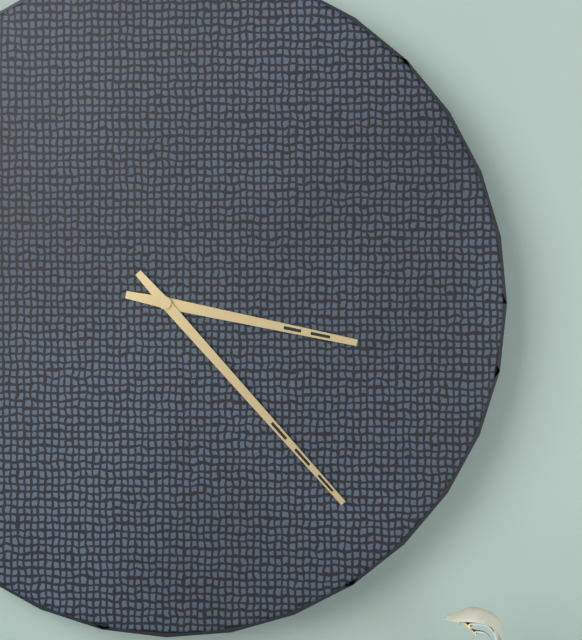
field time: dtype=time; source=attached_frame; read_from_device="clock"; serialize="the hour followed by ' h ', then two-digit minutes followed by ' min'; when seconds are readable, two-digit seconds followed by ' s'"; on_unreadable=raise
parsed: 3 h 23 min
